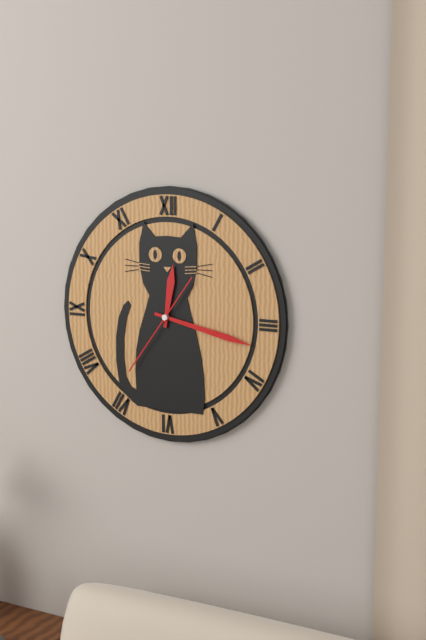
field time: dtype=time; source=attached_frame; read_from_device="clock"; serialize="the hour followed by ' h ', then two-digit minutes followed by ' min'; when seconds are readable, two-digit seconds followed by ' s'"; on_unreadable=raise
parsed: 12 h 17 min 36 s
